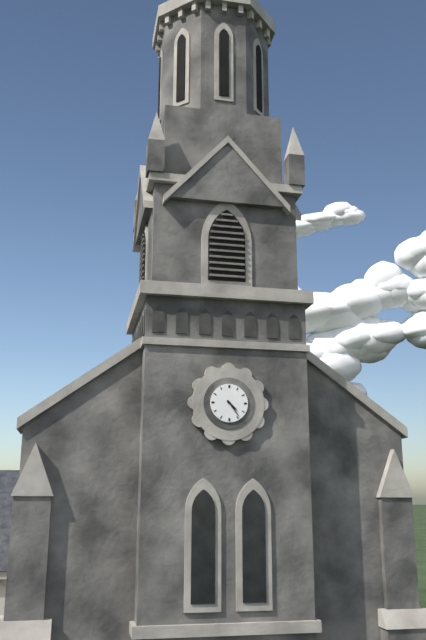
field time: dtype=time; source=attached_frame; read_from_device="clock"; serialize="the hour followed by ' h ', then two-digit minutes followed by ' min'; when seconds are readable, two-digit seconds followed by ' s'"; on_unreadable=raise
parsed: 4 h 24 min
